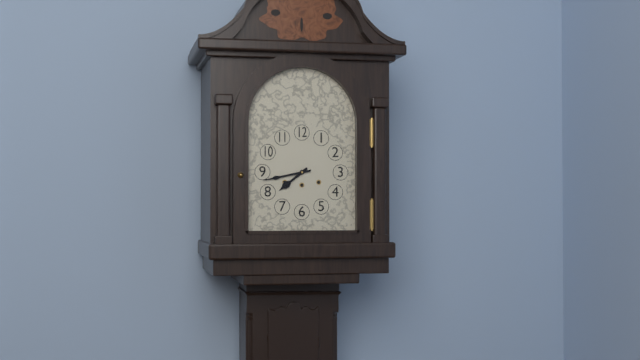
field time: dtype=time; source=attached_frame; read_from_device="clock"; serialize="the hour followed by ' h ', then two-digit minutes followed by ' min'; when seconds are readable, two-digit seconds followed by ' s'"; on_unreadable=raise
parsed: 7 h 43 min
